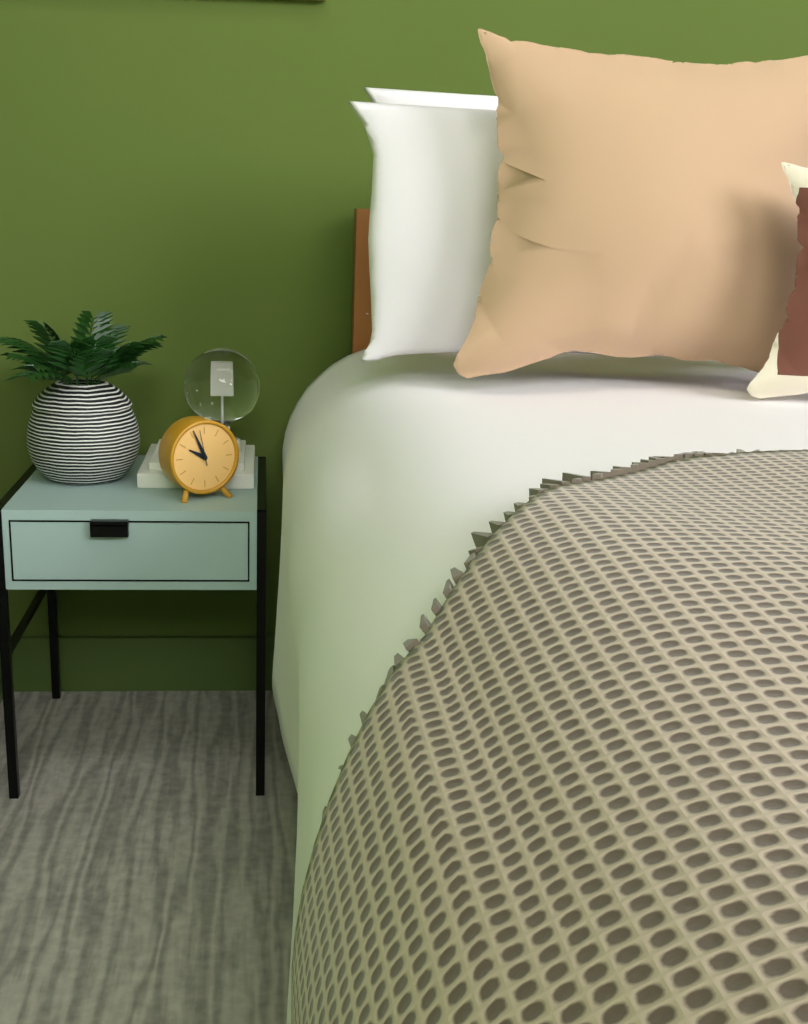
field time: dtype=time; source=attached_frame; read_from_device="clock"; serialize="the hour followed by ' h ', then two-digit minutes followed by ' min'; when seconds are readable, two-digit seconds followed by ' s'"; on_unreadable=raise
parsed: 9 h 56 min
